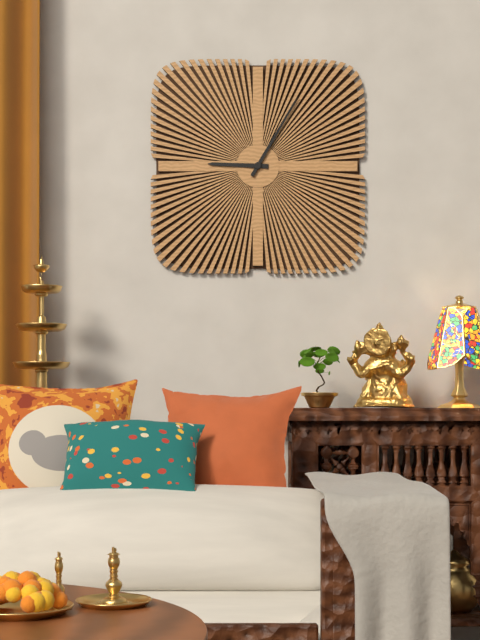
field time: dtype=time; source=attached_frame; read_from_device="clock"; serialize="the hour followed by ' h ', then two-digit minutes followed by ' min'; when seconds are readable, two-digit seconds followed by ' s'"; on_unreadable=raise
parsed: 9 h 05 min
